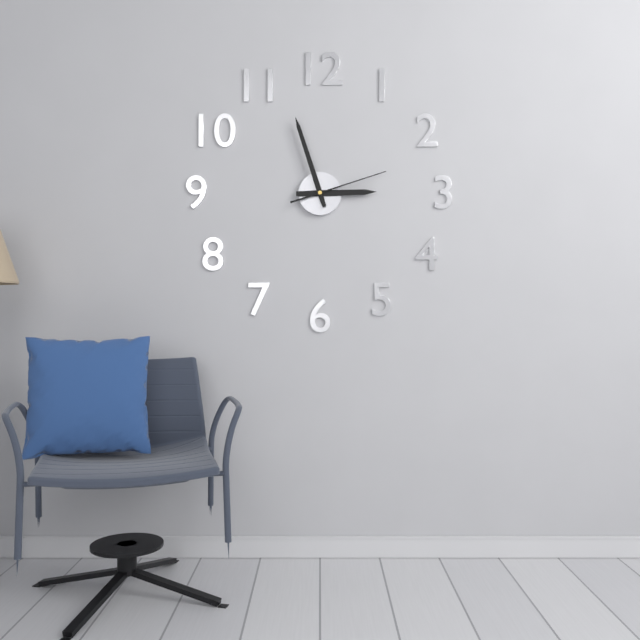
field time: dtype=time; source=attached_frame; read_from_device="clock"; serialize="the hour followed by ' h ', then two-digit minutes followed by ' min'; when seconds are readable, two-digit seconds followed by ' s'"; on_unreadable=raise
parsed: 2 h 57 min 12 s
